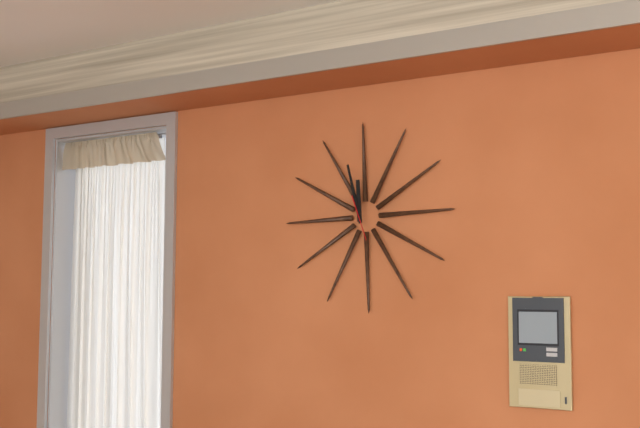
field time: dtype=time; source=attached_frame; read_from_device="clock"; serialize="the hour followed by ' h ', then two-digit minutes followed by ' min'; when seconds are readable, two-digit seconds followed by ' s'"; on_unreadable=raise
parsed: 11 h 58 min
